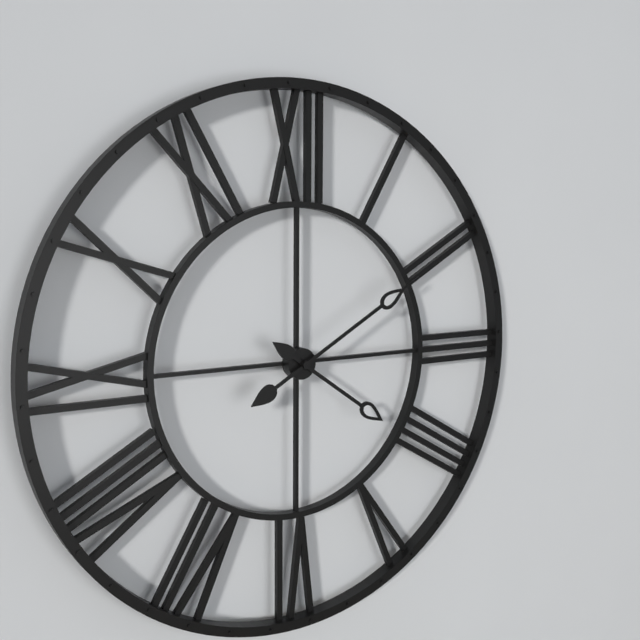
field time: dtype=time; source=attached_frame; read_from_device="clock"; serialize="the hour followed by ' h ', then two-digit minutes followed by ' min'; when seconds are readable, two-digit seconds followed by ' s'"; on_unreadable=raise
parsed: 4 h 10 min
